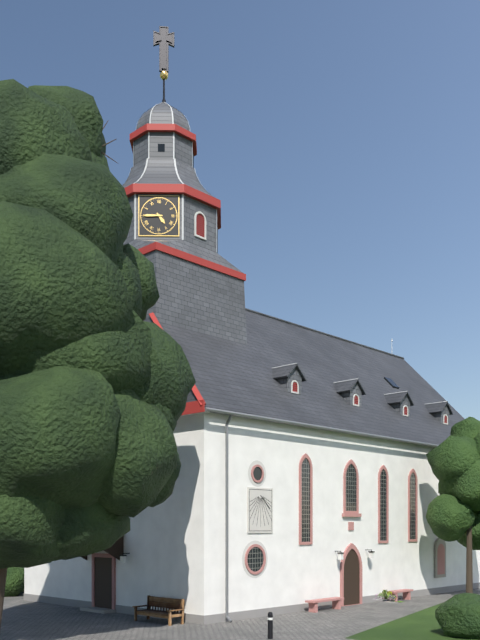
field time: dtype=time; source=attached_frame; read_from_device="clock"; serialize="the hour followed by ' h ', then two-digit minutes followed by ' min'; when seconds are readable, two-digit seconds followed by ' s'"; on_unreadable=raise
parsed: 4 h 45 min
